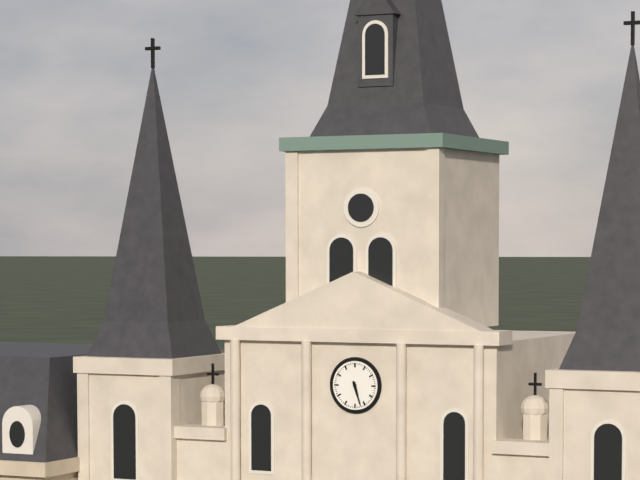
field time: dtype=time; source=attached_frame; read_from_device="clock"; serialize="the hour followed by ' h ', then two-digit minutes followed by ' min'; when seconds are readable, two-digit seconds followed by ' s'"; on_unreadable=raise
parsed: 5 h 27 min
